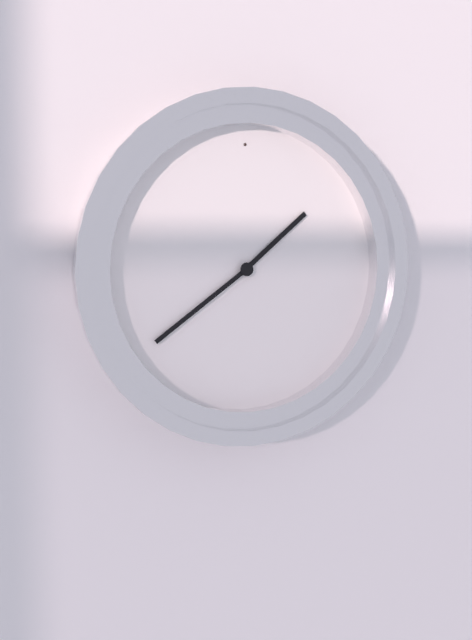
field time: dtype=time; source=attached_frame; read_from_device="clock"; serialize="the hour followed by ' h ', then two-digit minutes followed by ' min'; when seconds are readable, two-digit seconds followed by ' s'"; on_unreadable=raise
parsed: 1 h 39 min
